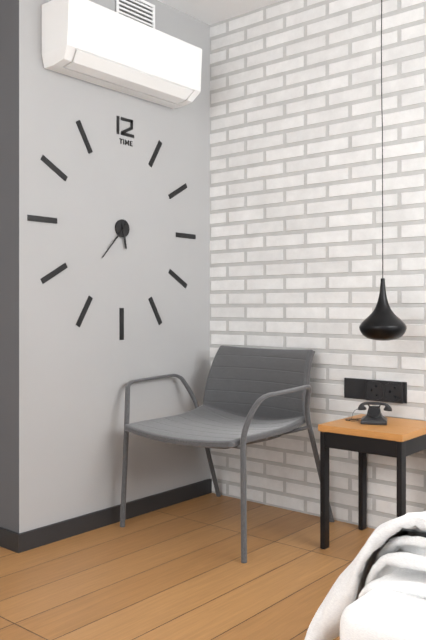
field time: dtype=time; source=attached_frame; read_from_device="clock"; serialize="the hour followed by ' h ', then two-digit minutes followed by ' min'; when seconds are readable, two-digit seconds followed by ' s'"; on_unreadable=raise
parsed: 5 h 37 min
